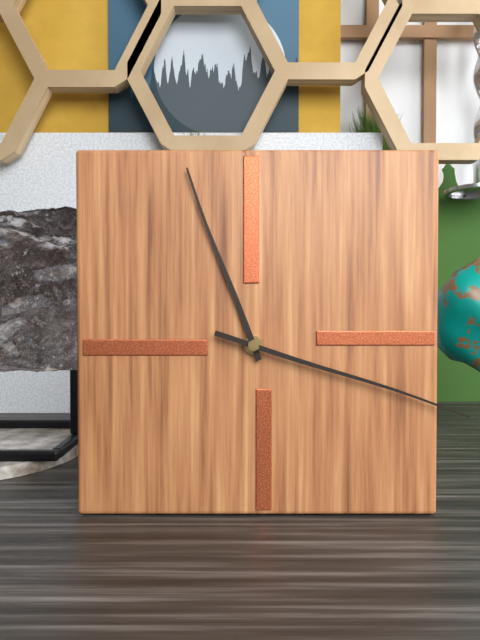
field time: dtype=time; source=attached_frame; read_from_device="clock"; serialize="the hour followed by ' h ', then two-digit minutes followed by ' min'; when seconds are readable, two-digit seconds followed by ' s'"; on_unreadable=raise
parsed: 11 h 18 min
